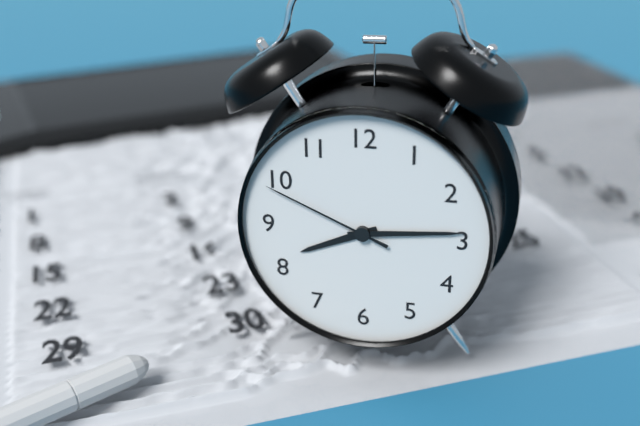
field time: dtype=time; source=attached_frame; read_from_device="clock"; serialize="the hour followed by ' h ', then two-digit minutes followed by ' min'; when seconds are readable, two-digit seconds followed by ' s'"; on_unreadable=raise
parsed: 8 h 14 min 49 s
